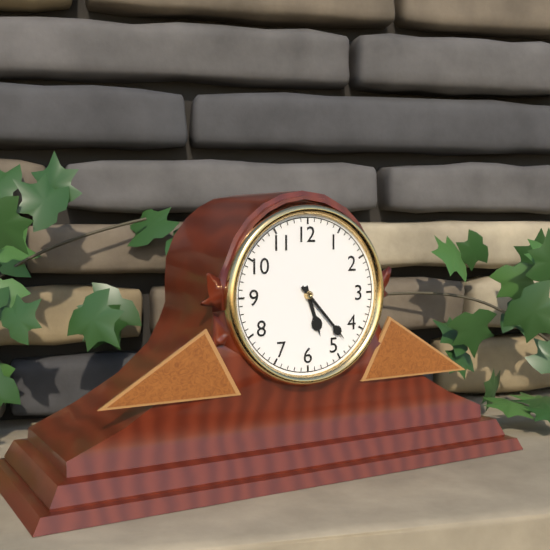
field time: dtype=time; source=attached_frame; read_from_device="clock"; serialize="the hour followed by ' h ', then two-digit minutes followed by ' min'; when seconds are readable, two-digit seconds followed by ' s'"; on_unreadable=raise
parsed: 5 h 23 min
